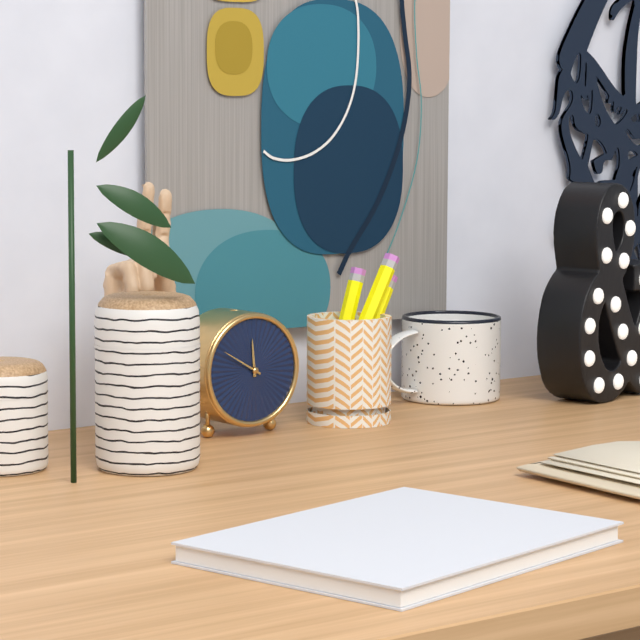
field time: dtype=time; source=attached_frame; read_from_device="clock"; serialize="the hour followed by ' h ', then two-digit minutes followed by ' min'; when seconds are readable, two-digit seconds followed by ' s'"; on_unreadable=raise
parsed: 11 h 50 min
